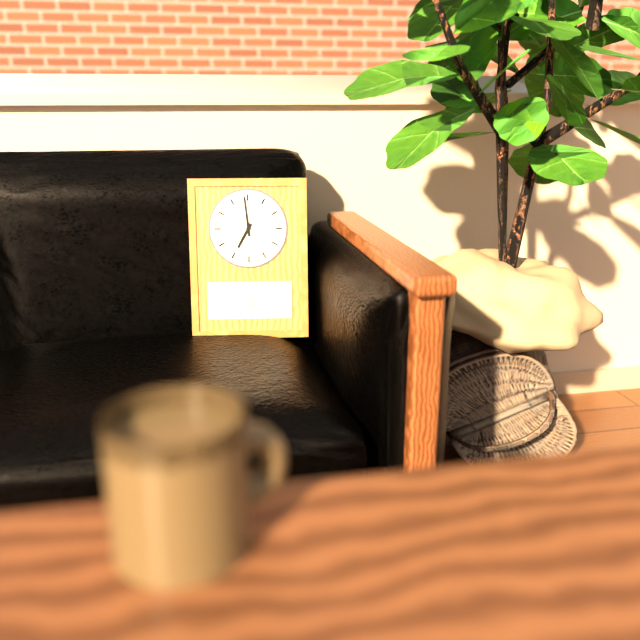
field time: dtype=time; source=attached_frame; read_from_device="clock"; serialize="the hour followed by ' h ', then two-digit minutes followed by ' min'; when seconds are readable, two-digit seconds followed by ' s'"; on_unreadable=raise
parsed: 6 h 59 min
